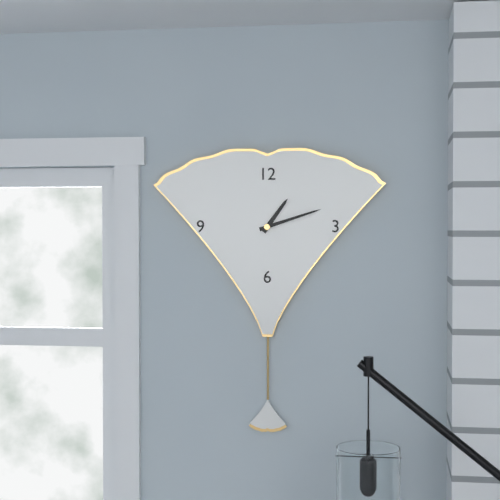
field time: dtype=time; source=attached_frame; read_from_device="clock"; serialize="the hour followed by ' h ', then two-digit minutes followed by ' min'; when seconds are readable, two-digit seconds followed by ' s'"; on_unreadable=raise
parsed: 1 h 12 min
